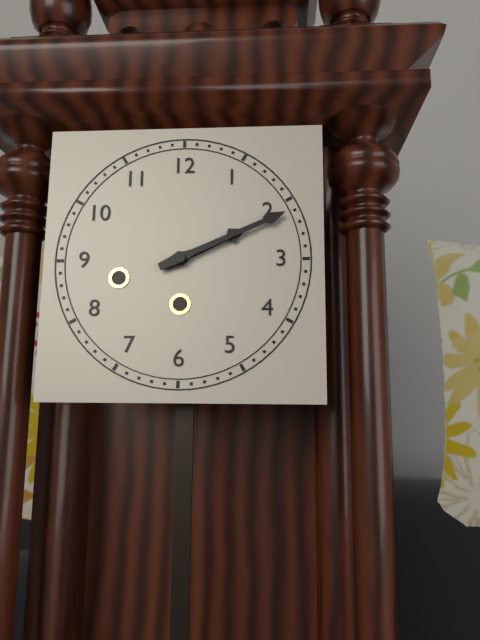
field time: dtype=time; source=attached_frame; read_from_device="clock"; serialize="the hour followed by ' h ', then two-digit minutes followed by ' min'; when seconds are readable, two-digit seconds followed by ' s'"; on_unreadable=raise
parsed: 2 h 11 min
